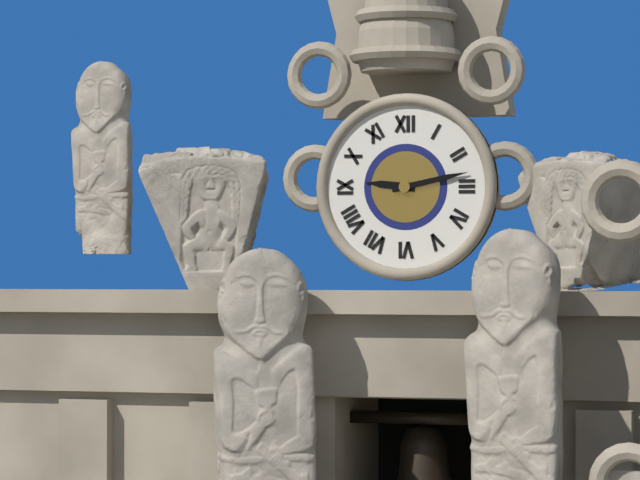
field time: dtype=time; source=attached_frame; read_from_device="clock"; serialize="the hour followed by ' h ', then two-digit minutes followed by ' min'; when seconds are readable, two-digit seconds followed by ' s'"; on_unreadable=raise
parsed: 9 h 13 min
